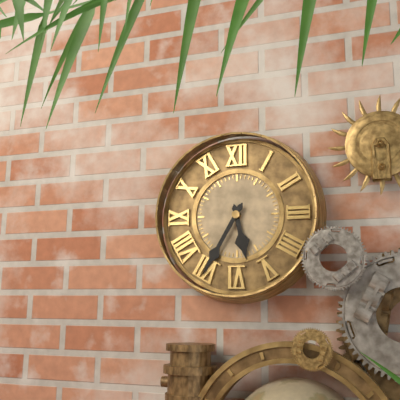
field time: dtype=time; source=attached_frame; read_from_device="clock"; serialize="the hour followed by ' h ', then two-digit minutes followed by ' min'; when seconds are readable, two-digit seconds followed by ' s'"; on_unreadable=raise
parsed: 5 h 35 min
